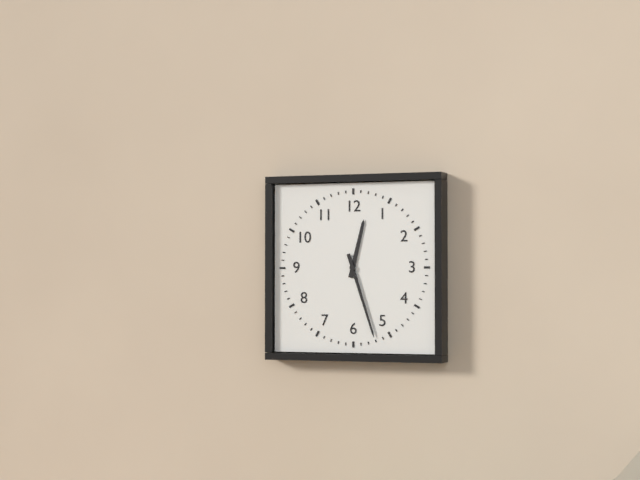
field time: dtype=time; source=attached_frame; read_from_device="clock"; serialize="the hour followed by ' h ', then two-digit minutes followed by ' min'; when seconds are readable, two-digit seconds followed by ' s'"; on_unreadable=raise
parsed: 12 h 27 min
